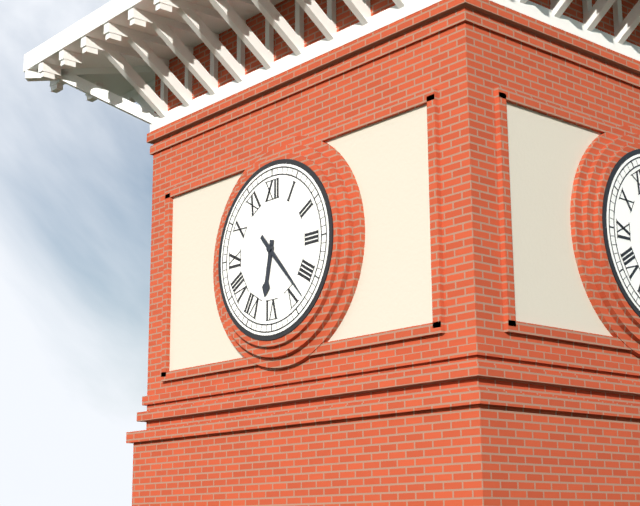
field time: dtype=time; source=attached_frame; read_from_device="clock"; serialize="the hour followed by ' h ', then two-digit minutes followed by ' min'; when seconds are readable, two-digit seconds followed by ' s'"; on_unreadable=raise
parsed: 6 h 23 min
